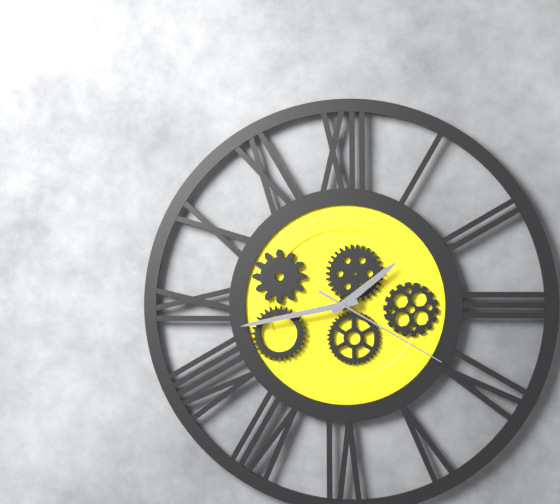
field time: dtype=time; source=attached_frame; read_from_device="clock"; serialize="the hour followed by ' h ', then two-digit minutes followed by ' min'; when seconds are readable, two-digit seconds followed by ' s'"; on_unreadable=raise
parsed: 1 h 43 min 20 s
